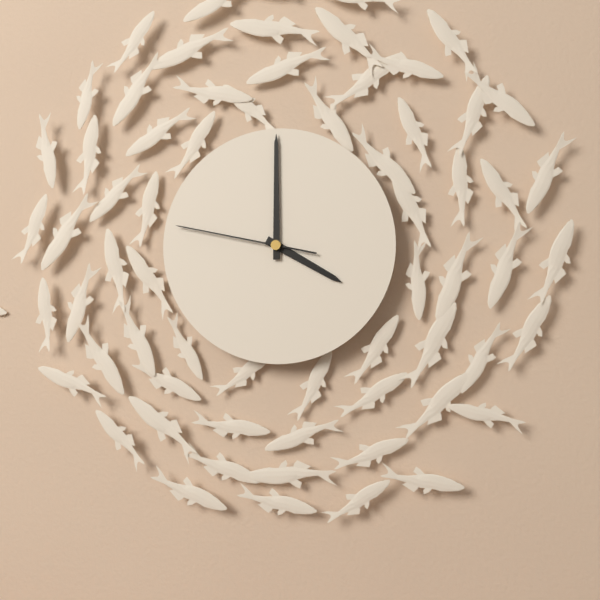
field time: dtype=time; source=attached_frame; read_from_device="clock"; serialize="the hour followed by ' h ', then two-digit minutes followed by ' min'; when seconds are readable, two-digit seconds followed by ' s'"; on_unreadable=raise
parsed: 4 h 00 min 47 s
